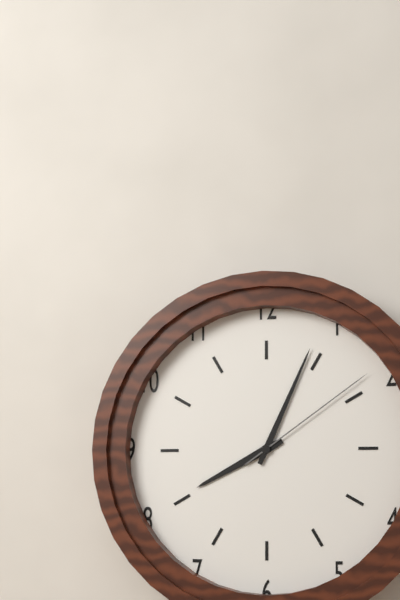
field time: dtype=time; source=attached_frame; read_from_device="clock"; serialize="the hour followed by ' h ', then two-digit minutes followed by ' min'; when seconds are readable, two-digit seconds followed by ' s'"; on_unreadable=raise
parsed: 8 h 04 min 09 s
